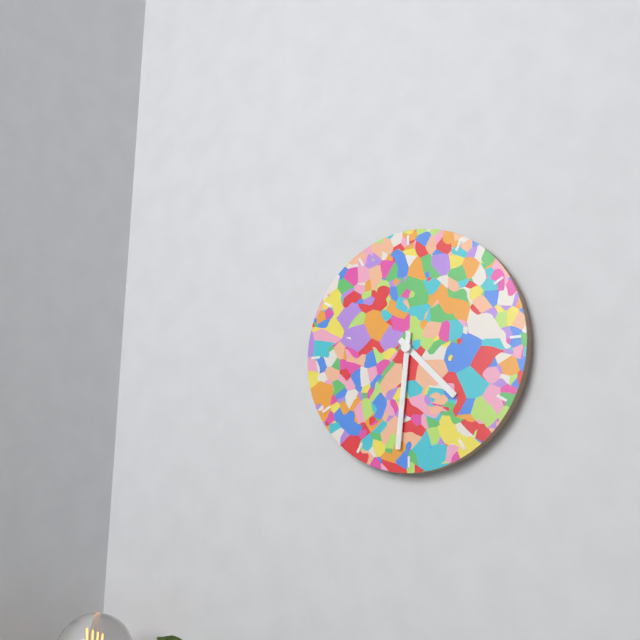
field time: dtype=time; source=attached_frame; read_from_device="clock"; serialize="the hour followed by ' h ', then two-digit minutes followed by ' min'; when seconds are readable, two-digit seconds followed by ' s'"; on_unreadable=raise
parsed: 4 h 31 min
